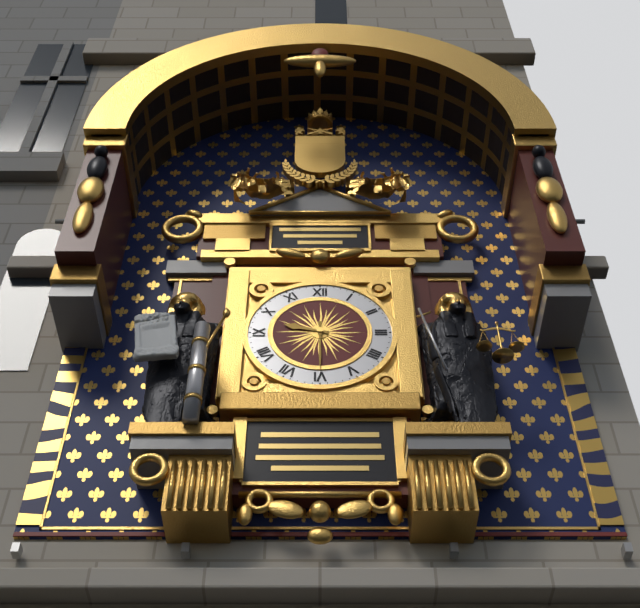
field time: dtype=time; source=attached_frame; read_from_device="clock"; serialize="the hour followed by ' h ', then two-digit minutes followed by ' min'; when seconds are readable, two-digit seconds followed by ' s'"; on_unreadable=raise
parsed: 9 h 30 min
